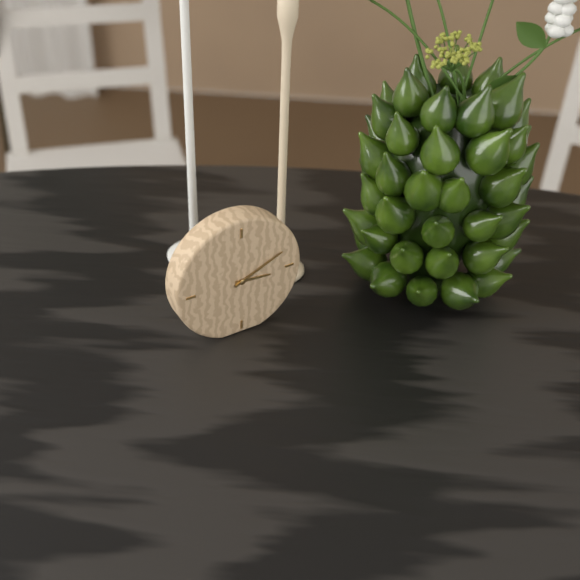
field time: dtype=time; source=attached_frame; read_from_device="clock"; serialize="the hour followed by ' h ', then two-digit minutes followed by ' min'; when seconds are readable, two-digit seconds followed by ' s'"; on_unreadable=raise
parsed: 3 h 11 min
